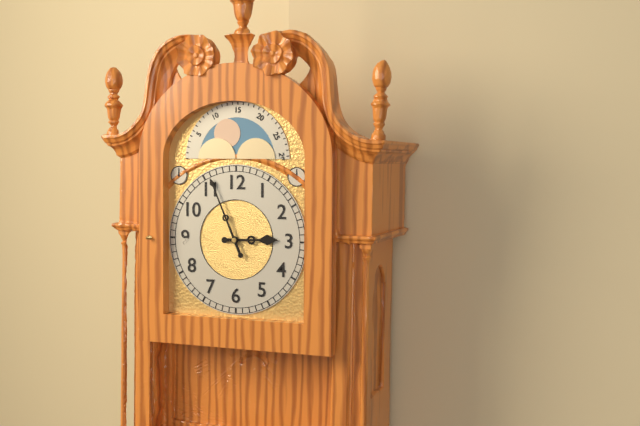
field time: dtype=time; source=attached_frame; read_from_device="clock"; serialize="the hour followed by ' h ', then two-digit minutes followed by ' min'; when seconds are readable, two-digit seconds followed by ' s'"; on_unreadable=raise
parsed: 2 h 56 min
